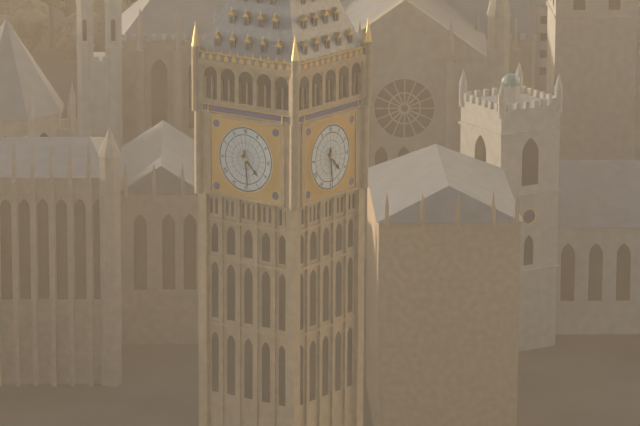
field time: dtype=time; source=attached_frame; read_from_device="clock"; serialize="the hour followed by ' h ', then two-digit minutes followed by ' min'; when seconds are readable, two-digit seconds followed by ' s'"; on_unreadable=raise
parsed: 4 h 29 min
